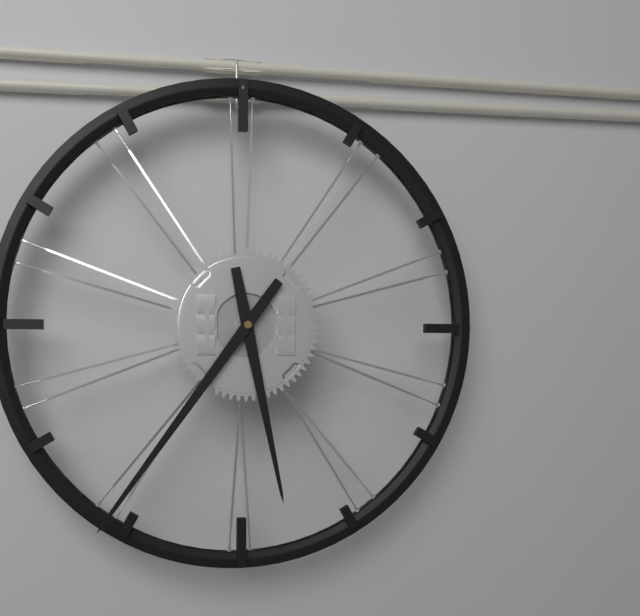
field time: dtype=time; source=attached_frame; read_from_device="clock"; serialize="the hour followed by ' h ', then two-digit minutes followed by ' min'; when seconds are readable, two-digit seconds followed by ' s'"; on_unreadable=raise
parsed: 5 h 36 min
